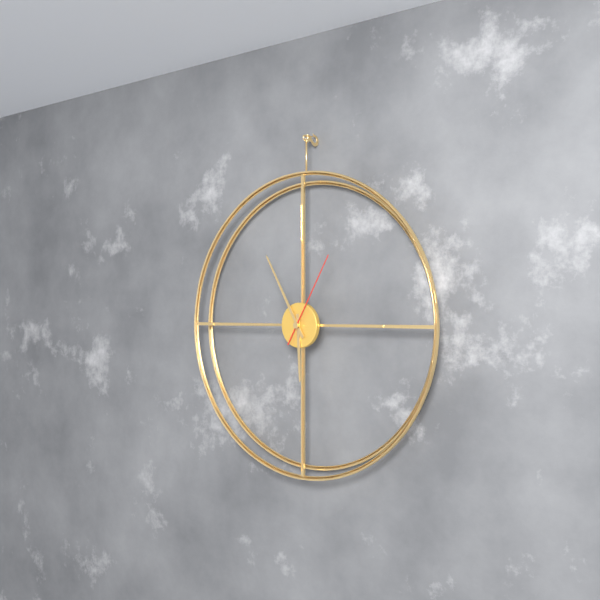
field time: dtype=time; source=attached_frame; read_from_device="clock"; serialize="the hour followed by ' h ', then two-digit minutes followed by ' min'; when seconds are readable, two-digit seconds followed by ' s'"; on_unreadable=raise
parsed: 5 h 55 min 05 s
